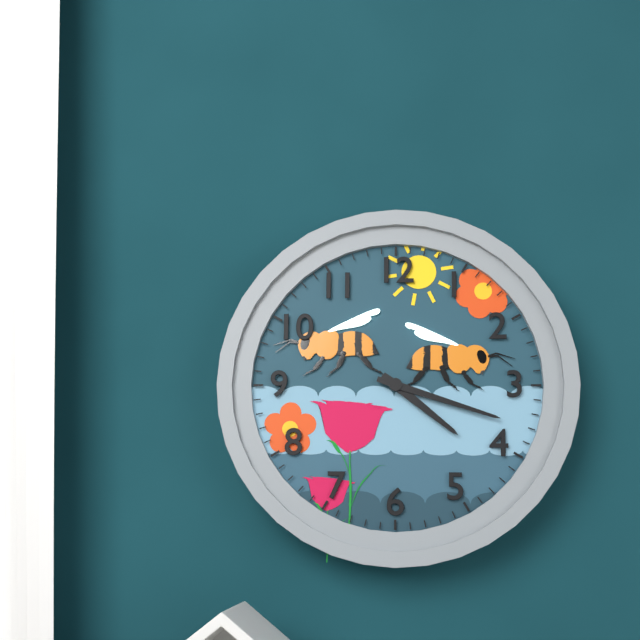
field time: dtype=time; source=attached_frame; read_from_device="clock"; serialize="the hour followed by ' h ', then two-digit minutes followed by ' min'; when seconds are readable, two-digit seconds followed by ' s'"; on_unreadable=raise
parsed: 4 h 18 min
